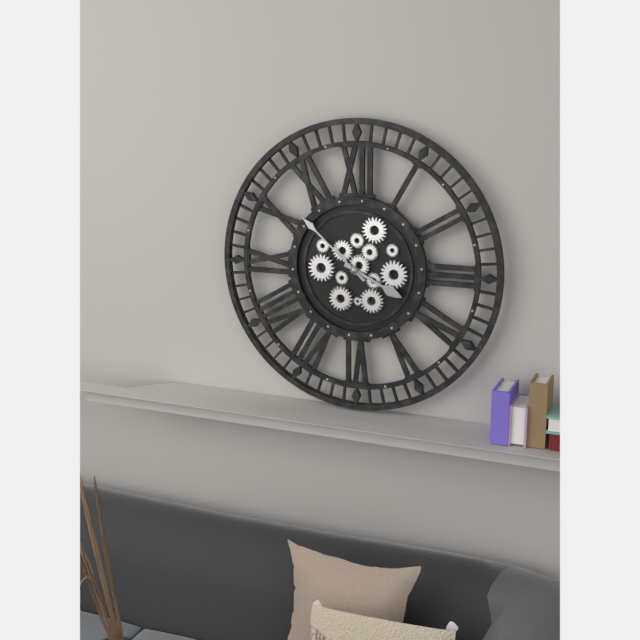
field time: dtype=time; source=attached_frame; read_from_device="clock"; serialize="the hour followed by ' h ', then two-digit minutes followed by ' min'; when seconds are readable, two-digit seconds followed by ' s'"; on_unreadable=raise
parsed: 3 h 52 min
